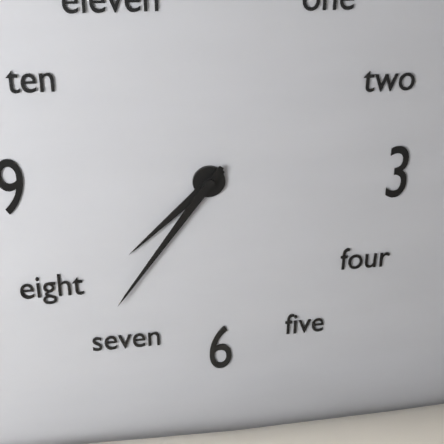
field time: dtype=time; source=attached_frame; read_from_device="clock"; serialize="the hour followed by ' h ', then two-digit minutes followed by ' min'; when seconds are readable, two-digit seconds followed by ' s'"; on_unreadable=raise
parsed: 7 h 36 min
